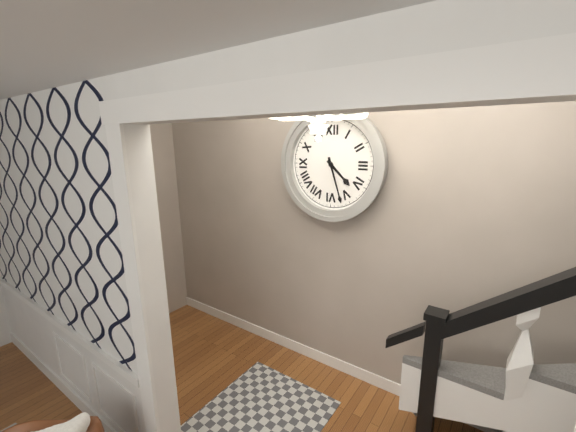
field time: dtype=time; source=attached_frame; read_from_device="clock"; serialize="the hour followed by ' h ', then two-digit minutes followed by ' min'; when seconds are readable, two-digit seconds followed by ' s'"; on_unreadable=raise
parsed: 4 h 27 min
